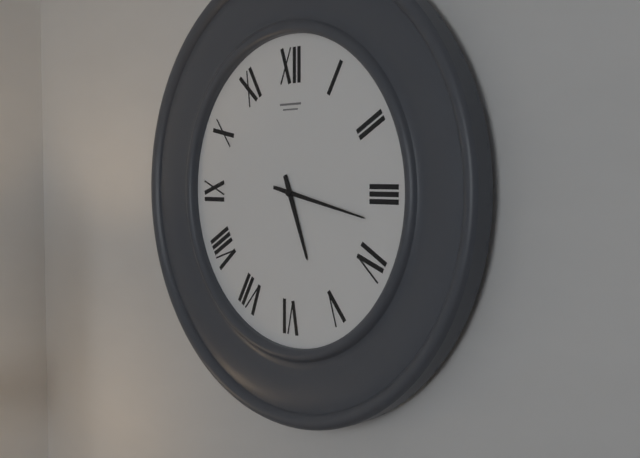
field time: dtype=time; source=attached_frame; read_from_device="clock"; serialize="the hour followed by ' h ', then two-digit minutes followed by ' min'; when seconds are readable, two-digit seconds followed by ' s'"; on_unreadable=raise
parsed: 5 h 17 min
